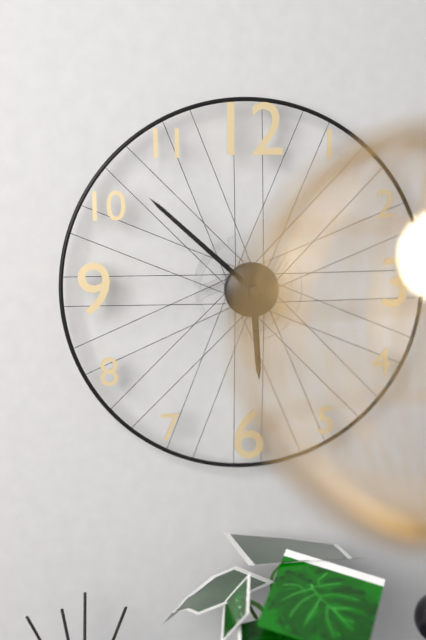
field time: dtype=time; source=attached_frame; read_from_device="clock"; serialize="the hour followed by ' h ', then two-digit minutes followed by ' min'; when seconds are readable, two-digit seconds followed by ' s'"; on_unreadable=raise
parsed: 5 h 52 min
